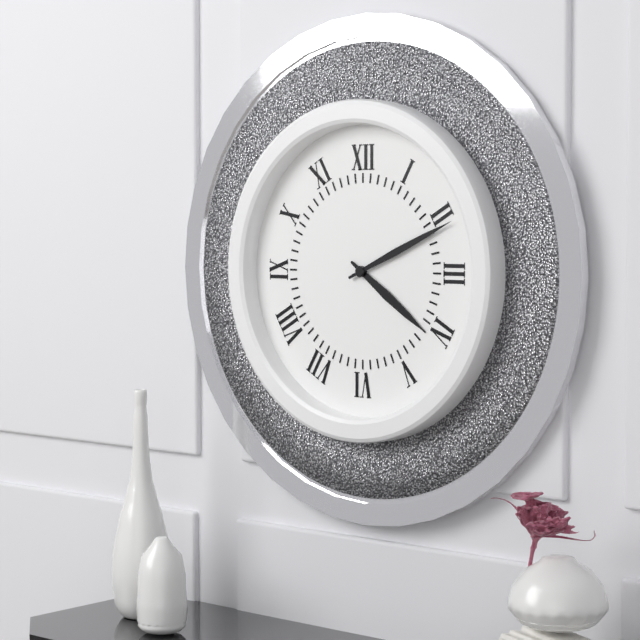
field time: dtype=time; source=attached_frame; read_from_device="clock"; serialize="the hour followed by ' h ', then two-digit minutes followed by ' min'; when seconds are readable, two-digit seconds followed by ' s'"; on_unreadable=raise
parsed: 4 h 11 min
